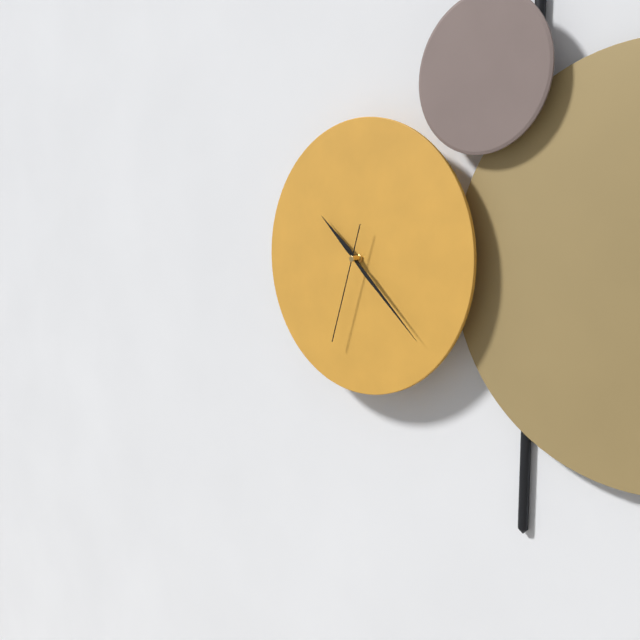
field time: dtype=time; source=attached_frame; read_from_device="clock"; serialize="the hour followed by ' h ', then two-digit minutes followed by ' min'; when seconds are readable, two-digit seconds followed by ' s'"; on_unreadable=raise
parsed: 10 h 22 min 33 s
